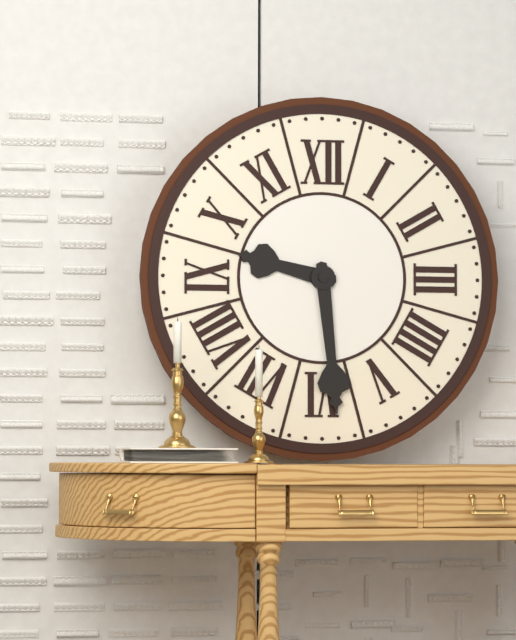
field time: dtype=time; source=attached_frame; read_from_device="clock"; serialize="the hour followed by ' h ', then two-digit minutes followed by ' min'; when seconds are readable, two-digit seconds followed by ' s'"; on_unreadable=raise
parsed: 9 h 29 min
